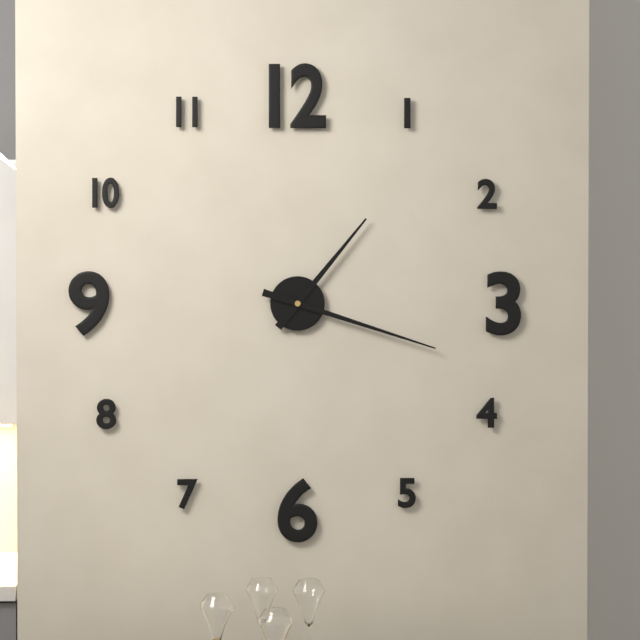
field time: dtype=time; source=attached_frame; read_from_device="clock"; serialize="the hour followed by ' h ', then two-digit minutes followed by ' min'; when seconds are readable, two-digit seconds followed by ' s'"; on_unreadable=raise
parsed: 1 h 18 min
